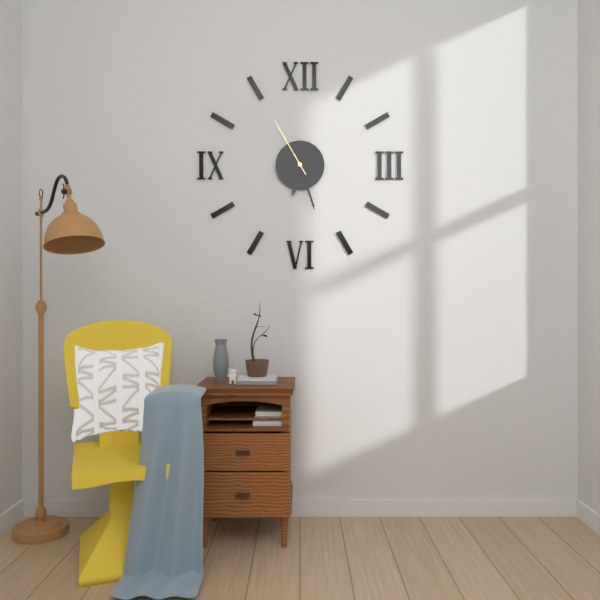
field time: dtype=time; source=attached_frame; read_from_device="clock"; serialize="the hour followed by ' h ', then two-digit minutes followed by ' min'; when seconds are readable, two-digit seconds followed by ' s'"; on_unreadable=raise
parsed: 6 h 27 min 55 s
